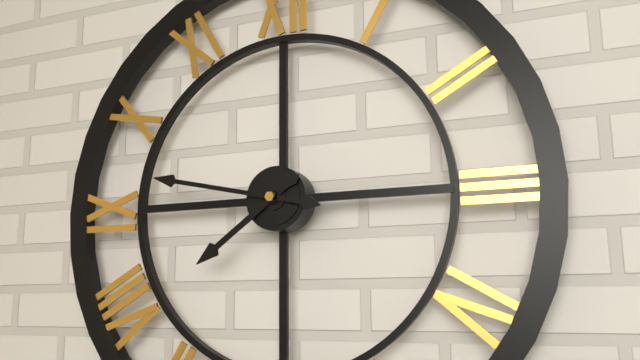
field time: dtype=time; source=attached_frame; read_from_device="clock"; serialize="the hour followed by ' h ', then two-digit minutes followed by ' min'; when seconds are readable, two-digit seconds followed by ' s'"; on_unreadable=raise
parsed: 7 h 47 min
